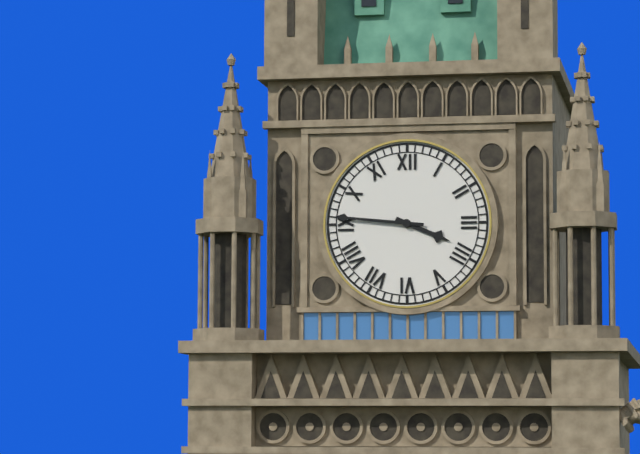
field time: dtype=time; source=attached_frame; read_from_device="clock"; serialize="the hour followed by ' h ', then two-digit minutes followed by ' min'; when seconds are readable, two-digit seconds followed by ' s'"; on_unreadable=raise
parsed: 3 h 46 min
